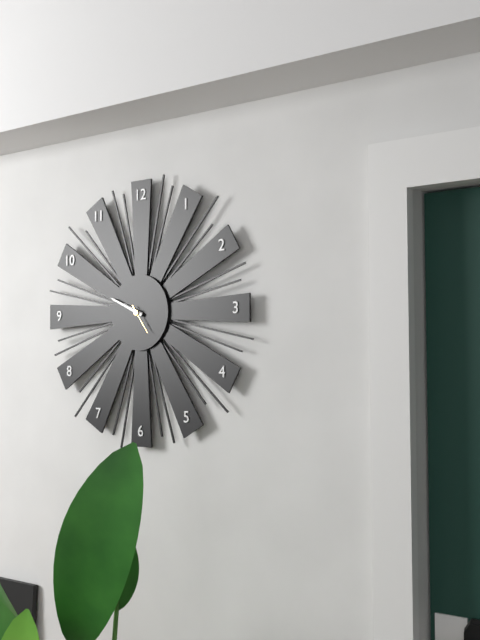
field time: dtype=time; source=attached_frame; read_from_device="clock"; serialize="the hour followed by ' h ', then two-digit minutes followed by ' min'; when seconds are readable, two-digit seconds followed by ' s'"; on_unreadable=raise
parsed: 9 h 49 min
